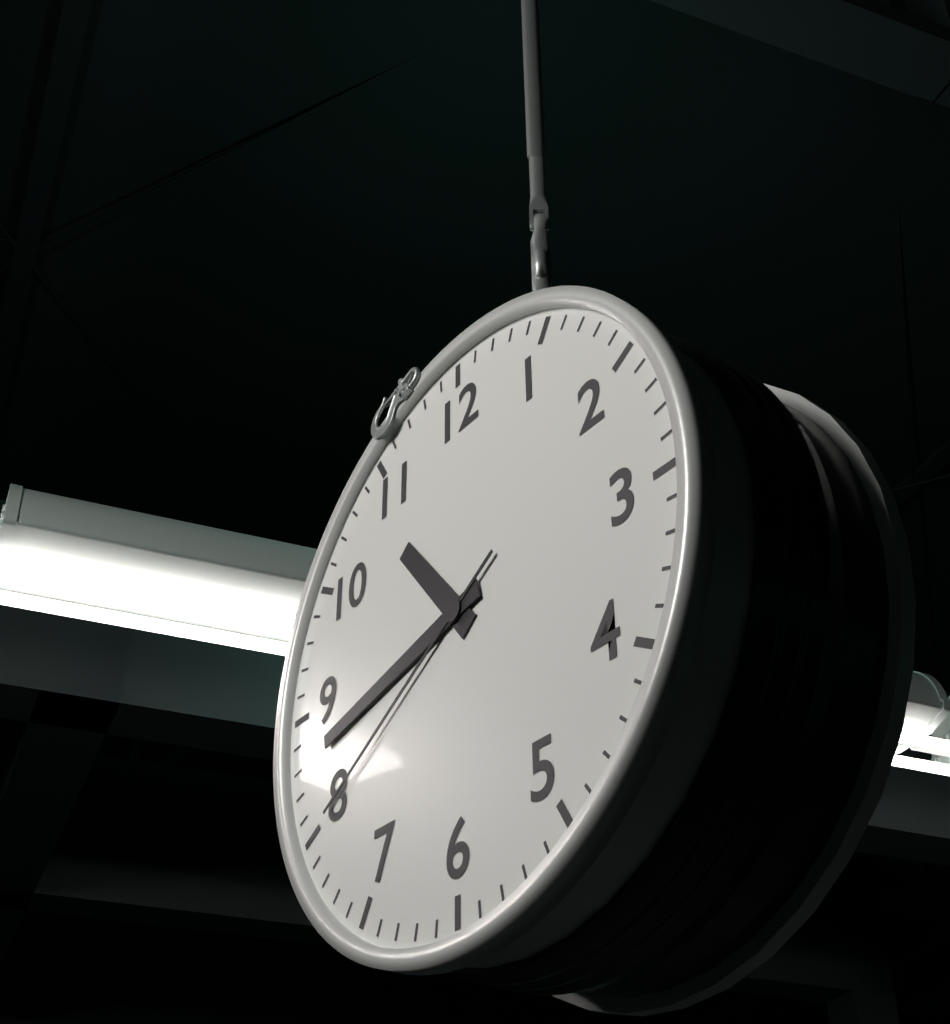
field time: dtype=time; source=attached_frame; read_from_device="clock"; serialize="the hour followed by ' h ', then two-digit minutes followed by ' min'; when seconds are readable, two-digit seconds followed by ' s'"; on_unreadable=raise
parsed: 10 h 43 min 40 s
